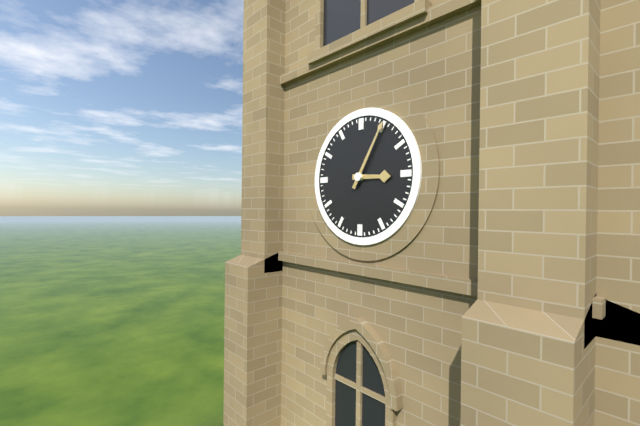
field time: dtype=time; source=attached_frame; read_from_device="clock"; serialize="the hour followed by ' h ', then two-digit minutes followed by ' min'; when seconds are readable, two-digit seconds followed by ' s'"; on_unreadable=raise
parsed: 3 h 05 min
